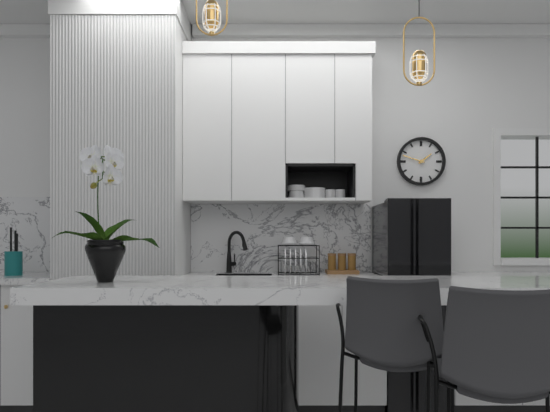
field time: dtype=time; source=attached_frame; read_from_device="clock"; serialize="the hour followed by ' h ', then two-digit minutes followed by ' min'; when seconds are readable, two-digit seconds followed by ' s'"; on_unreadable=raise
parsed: 1 h 48 min
